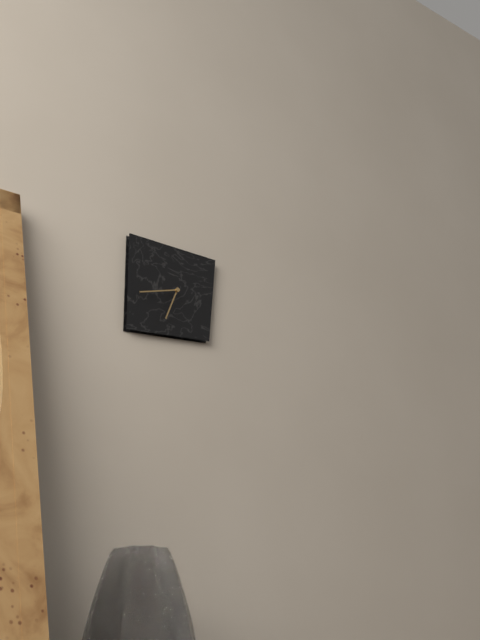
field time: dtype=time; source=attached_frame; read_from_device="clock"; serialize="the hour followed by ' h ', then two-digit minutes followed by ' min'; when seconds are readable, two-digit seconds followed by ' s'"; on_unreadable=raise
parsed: 6 h 42 min
